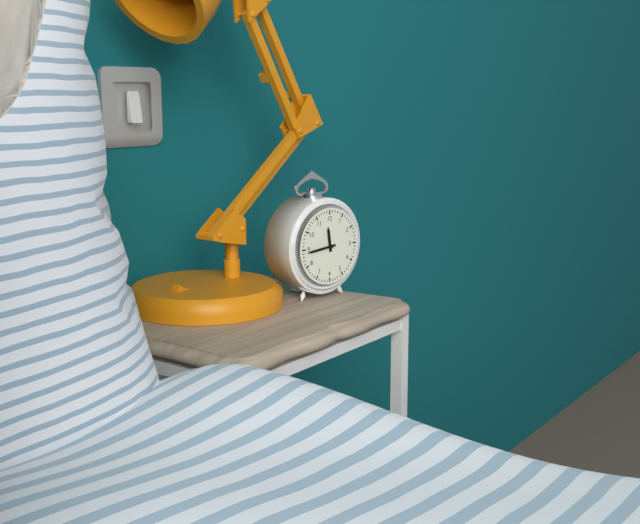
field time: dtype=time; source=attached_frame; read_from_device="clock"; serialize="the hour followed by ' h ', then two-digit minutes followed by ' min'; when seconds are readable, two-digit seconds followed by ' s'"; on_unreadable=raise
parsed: 11 h 44 min
